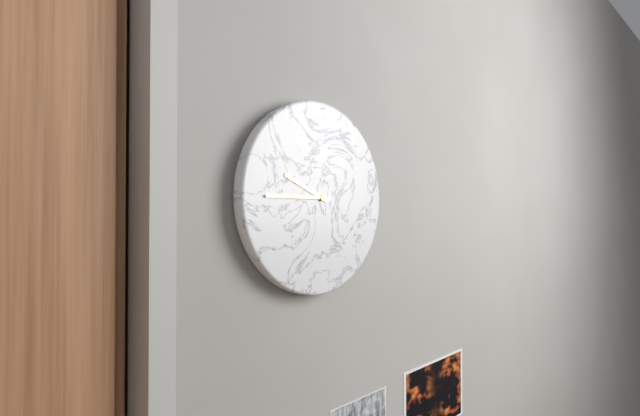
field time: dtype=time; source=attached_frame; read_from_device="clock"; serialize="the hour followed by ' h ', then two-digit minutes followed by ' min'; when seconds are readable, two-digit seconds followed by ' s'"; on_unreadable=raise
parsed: 9 h 45 min
